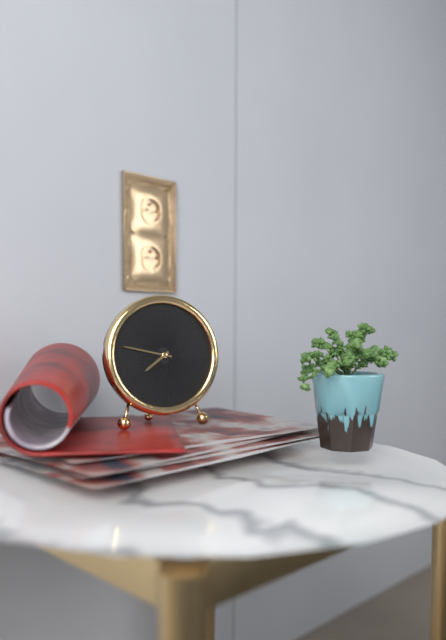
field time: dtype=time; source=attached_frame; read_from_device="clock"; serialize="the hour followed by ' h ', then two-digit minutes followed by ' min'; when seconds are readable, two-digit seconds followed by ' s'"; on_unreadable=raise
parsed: 7 h 47 min
